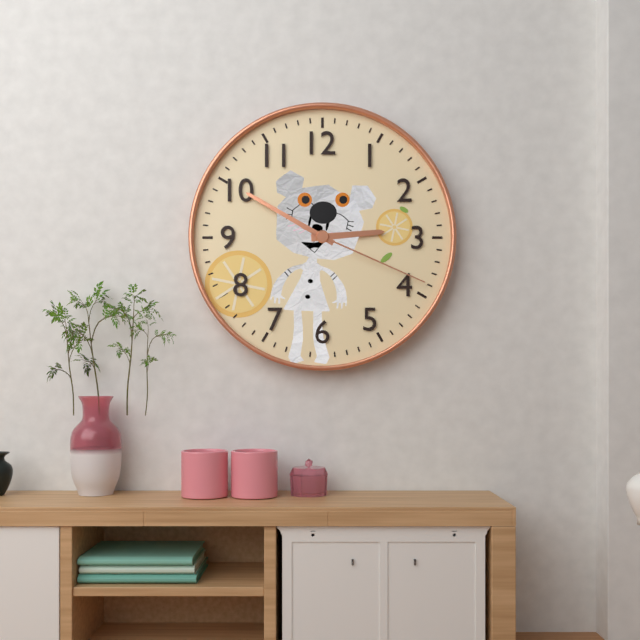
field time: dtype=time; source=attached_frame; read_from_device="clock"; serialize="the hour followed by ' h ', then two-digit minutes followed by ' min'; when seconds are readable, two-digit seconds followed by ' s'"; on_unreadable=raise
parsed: 2 h 50 min 19 s
